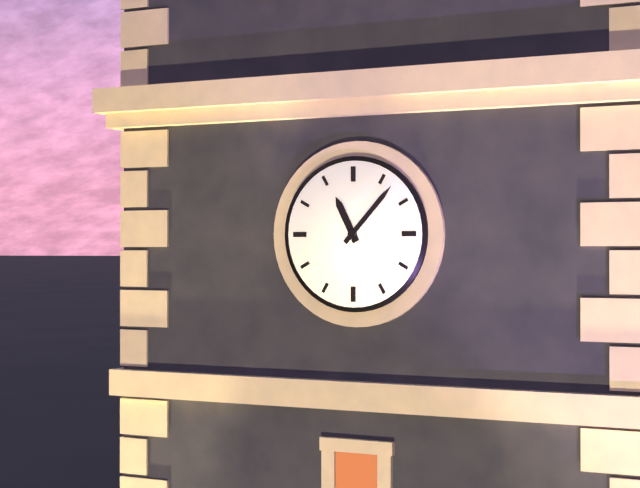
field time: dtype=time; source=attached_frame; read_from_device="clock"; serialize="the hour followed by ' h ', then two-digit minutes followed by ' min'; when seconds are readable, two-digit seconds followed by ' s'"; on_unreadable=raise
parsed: 11 h 07 min
